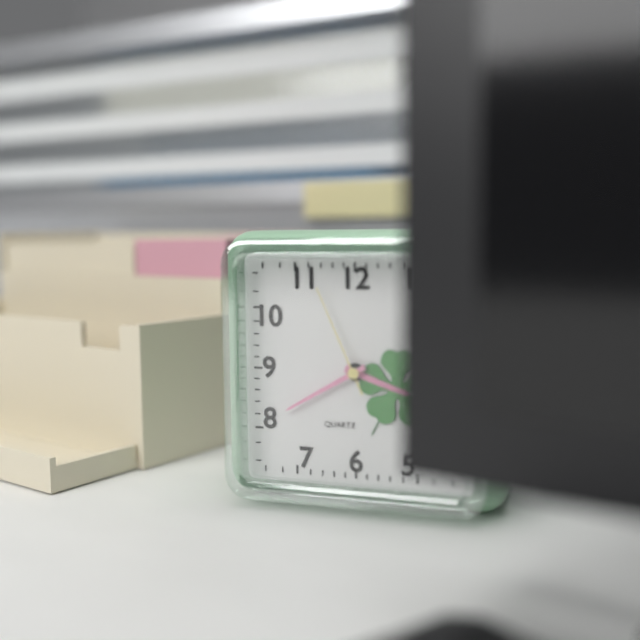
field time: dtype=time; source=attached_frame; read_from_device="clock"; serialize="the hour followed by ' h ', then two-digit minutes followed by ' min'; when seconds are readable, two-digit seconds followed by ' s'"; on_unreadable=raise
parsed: 3 h 40 min 56 s
